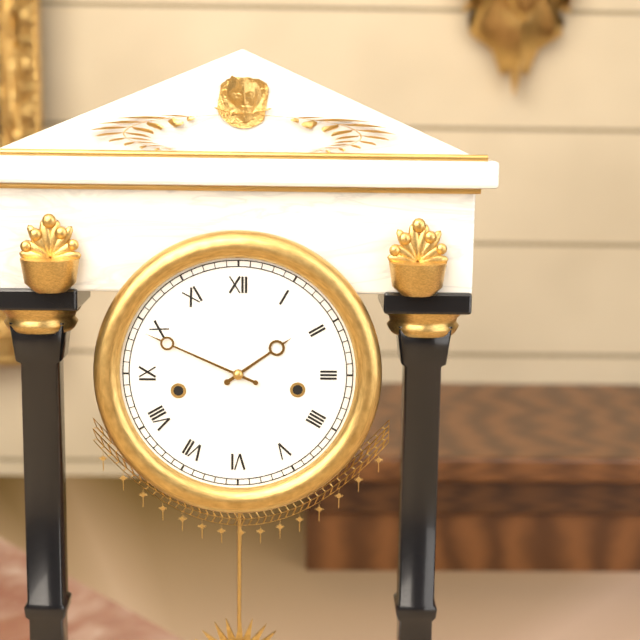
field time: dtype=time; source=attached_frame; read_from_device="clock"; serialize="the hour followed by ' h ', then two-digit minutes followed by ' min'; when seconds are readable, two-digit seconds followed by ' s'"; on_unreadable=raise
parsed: 1 h 49 min
